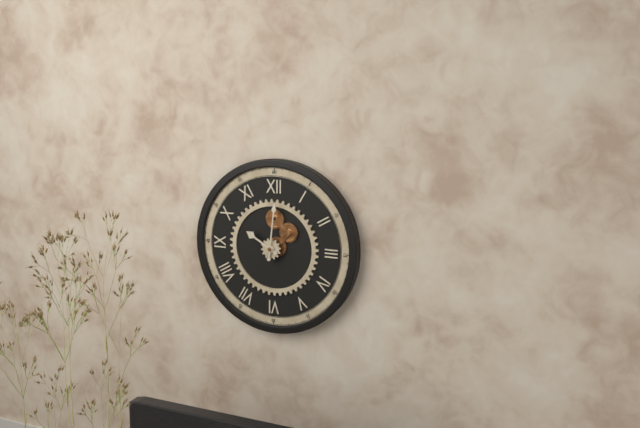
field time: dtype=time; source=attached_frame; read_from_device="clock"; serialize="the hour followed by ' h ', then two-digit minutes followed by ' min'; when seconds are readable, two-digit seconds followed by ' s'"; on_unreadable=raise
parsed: 10 h 01 min
